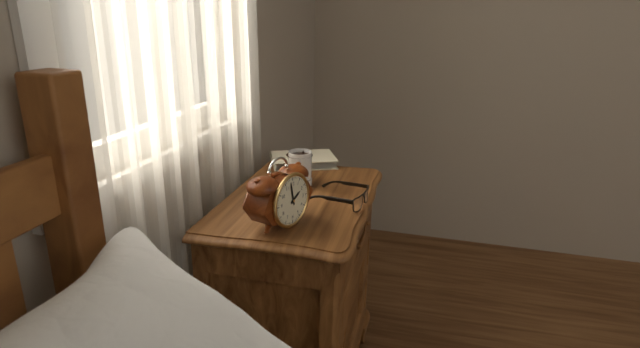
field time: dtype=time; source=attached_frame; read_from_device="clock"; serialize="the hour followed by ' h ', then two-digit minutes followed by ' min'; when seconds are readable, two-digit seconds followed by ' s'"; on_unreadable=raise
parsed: 1 h 58 min
